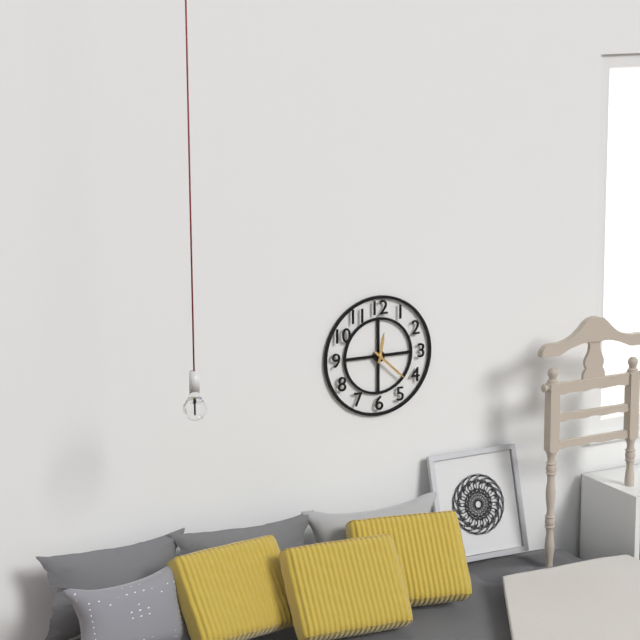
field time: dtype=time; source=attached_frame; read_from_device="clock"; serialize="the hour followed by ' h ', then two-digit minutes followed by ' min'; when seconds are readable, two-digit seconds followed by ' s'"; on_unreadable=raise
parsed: 12 h 22 min
